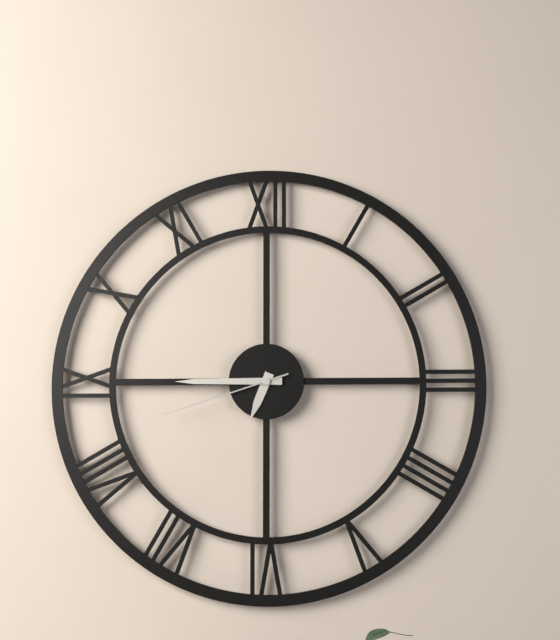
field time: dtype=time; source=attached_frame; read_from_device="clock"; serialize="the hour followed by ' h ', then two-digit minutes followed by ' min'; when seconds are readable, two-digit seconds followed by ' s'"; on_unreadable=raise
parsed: 6 h 45 min 42 s
